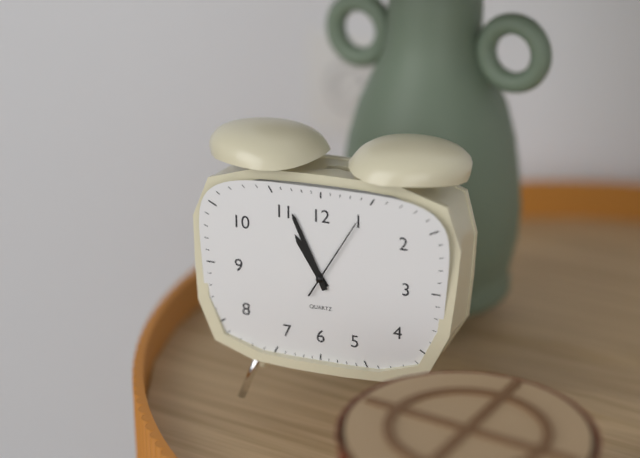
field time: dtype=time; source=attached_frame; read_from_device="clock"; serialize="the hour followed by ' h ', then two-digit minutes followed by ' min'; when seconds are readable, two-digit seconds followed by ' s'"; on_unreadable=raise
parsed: 10 h 56 min 05 s
